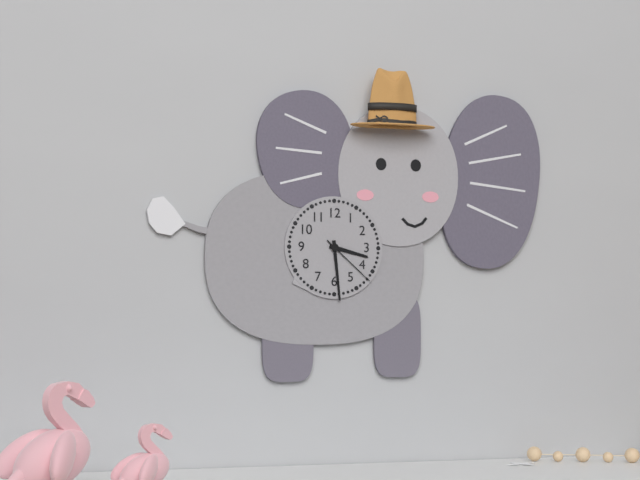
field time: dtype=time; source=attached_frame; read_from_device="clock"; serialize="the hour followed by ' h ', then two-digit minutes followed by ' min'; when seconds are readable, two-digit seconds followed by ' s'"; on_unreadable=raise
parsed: 3 h 29 min 22 s
